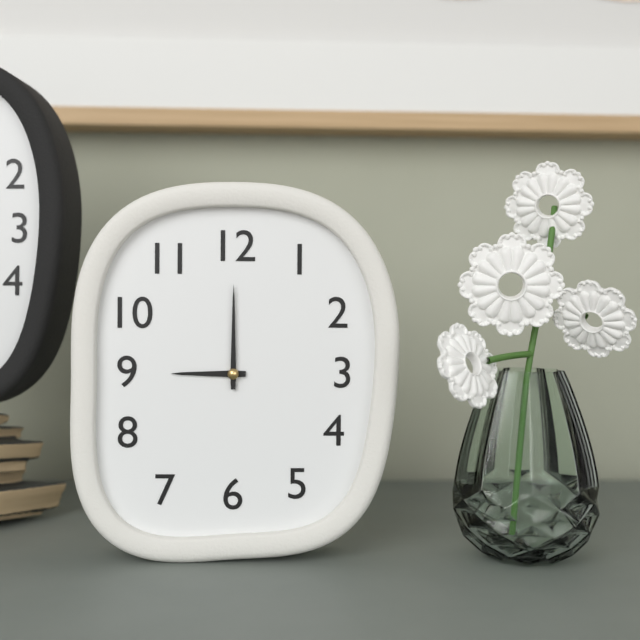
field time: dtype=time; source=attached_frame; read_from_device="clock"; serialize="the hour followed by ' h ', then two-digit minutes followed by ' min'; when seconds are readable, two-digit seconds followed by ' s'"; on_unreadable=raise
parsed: 9 h 00 min
